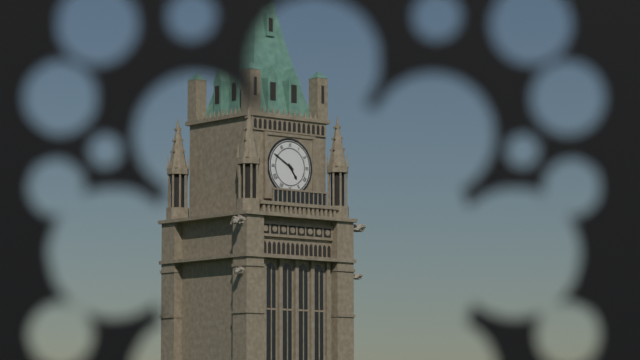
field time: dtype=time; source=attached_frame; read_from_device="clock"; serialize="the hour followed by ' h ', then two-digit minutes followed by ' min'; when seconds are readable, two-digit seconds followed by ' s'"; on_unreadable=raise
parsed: 4 h 50 min
